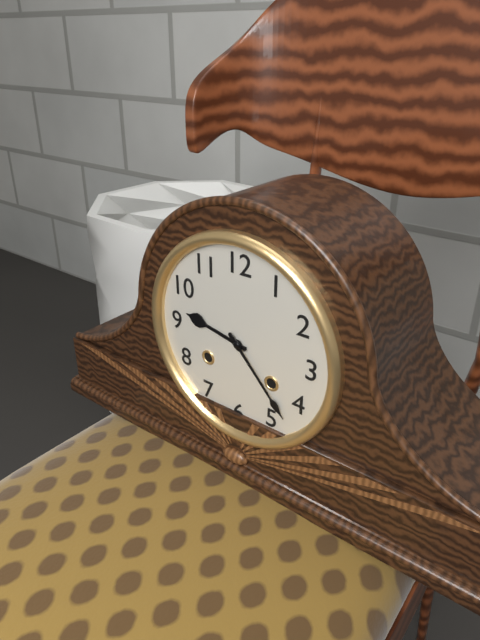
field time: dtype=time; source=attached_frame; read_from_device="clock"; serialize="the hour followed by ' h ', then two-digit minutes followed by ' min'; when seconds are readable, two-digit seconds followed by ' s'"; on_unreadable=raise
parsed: 9 h 23 min
